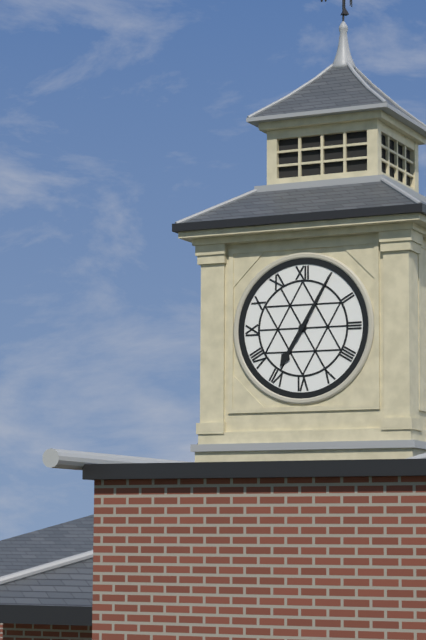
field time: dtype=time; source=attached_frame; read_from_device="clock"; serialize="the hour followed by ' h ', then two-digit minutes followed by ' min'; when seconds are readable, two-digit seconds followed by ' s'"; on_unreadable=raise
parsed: 7 h 05 min
